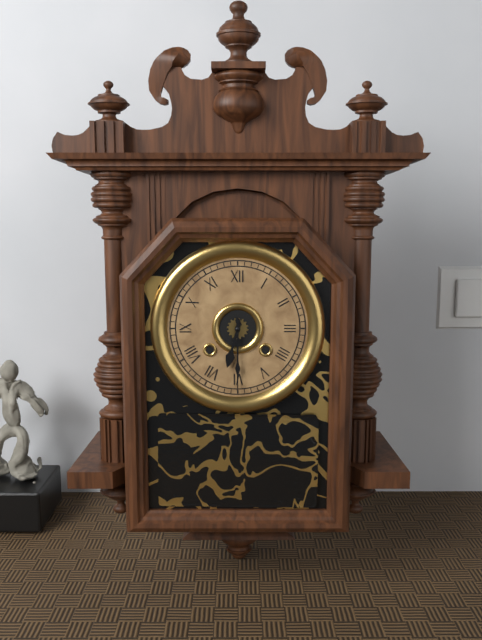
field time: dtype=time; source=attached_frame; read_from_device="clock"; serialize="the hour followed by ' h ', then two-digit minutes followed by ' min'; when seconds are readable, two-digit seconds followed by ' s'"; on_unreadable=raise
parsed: 6 h 30 min
